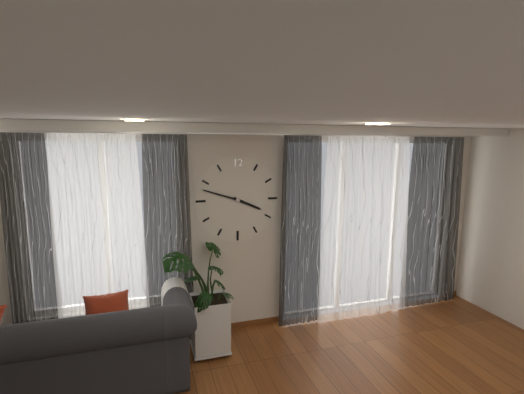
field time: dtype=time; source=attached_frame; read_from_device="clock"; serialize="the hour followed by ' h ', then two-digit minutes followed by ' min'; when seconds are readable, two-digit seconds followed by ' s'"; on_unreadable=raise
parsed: 3 h 48 min
